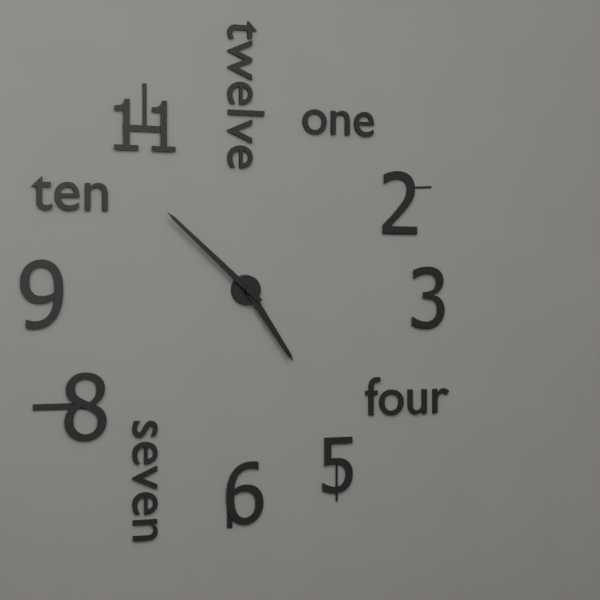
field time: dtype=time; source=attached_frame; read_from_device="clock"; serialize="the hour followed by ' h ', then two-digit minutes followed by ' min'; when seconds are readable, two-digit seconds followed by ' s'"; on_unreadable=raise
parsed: 4 h 52 min
